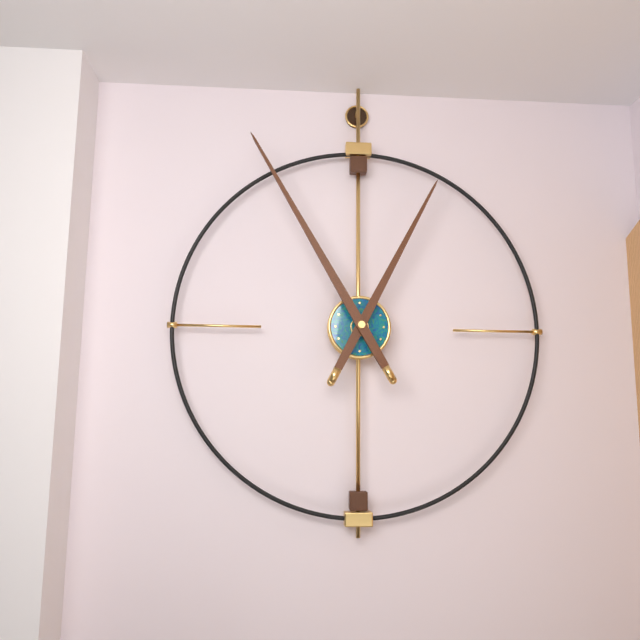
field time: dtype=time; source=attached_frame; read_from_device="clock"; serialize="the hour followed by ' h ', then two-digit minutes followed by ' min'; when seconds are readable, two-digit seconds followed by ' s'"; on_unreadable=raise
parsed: 12 h 55 min
